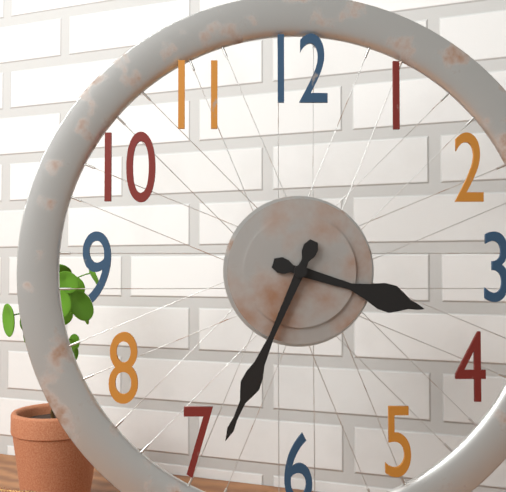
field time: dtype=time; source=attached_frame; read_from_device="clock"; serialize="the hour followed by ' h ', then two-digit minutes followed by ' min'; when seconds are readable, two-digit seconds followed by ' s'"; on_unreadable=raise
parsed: 3 h 34 min
